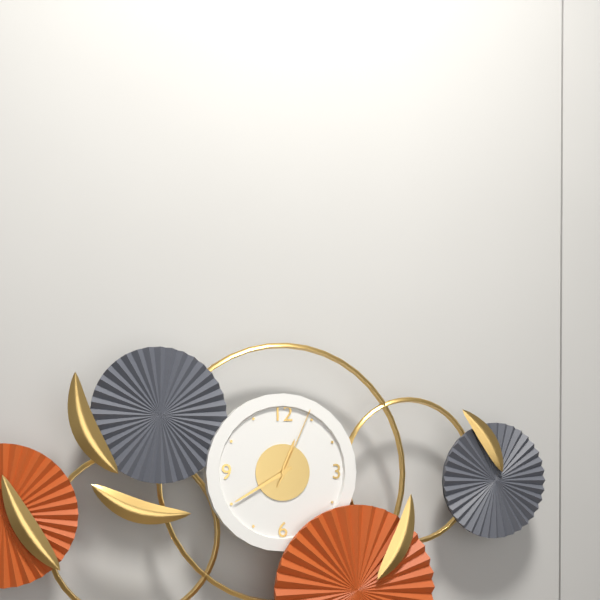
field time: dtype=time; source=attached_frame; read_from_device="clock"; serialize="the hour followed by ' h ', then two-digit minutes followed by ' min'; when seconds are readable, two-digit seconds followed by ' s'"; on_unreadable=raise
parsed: 12 h 40 min 04 s
